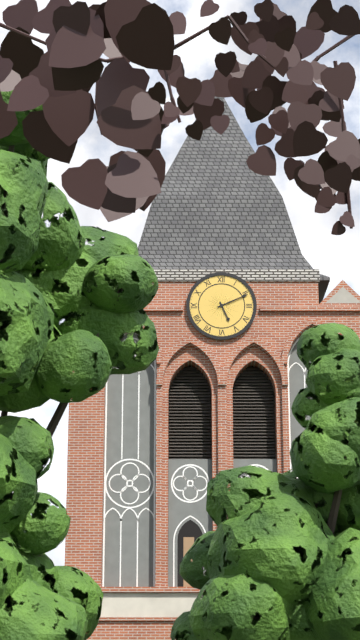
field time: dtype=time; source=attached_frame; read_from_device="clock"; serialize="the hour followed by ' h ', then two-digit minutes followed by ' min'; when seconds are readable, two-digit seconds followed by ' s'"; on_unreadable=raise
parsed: 5 h 11 min
